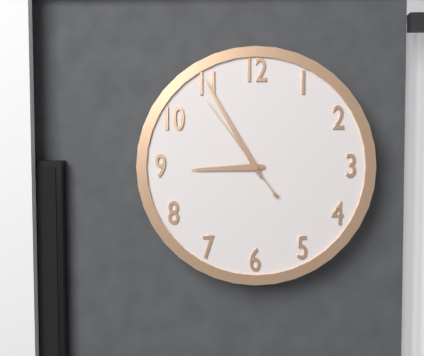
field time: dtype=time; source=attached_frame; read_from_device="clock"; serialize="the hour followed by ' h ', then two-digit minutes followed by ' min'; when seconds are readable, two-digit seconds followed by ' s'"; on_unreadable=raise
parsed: 8 h 55 min 54 s
